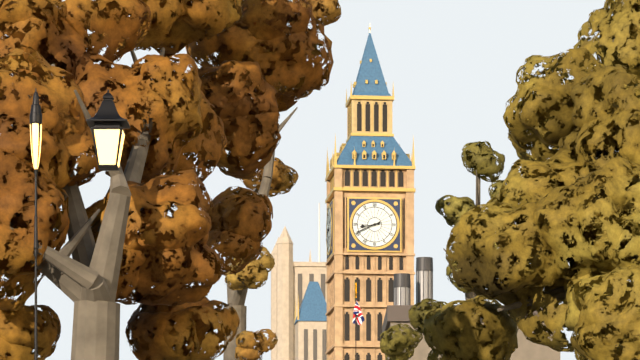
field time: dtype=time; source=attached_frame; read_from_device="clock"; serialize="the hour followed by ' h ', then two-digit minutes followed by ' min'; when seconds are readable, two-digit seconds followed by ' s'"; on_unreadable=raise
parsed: 8 h 41 min
